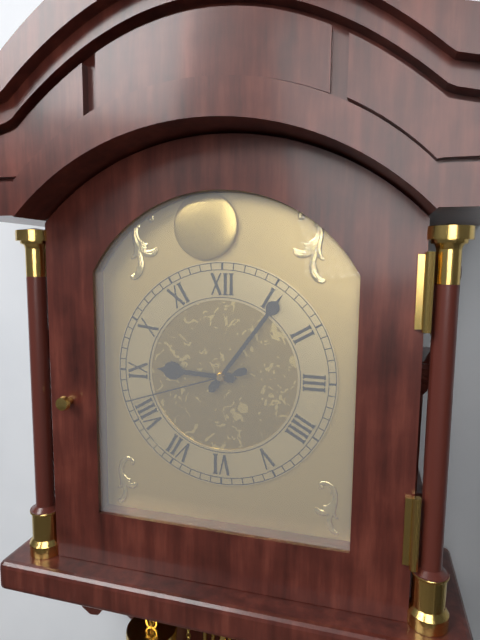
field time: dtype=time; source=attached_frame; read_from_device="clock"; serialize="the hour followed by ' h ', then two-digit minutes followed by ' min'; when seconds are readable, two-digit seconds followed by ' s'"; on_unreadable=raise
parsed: 9 h 06 min 42 s
